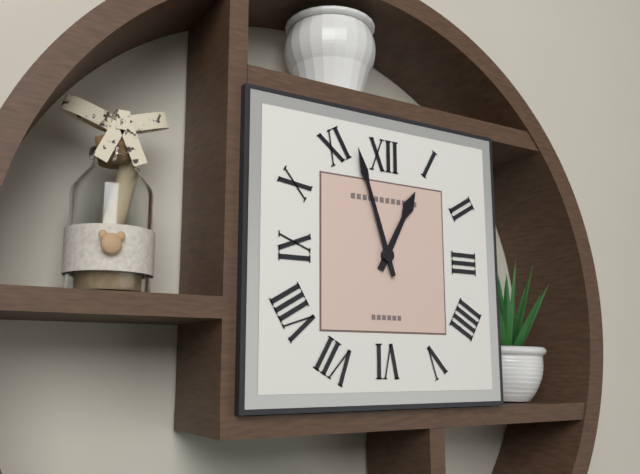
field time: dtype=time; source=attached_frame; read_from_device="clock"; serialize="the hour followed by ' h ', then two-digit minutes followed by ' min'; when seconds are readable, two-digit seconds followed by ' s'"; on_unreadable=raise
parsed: 12 h 57 min
